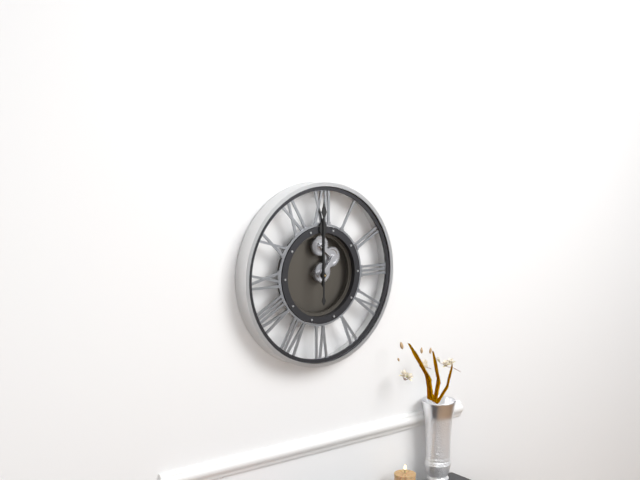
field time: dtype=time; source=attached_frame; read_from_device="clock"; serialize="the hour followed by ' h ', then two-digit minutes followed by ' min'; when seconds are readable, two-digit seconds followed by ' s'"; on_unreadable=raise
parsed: 12 h 00 min
